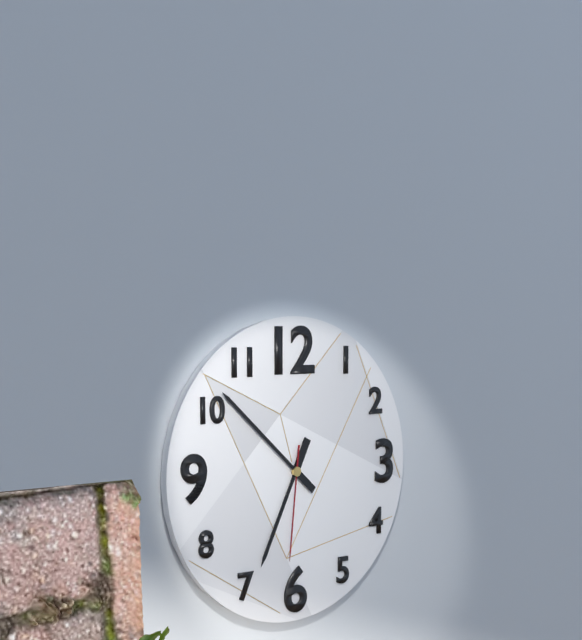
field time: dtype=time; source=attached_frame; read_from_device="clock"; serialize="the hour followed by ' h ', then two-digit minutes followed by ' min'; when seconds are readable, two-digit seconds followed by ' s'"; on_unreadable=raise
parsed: 6 h 52 min 31 s
